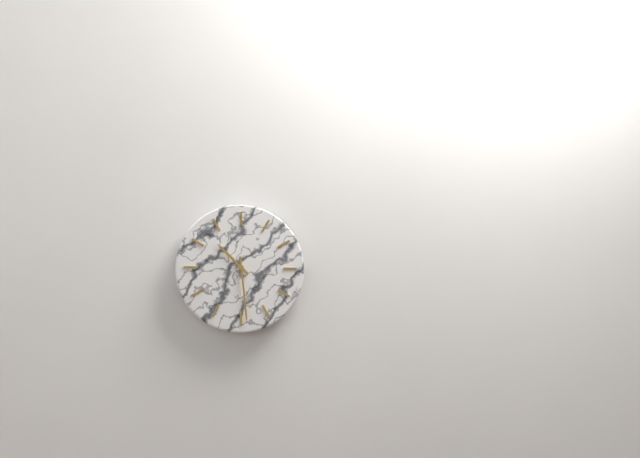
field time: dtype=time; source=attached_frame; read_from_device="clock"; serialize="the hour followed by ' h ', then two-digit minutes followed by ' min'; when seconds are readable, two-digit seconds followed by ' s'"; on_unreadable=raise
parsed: 10 h 29 min
